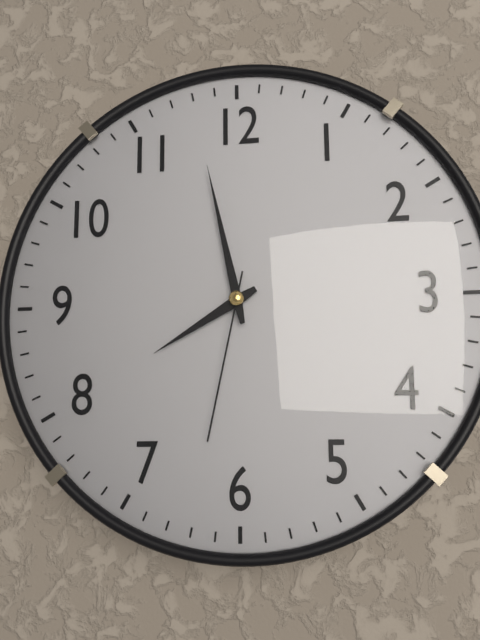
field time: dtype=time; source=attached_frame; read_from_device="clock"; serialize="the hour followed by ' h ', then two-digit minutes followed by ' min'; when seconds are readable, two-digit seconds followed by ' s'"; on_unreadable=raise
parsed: 7 h 58 min 32 s
